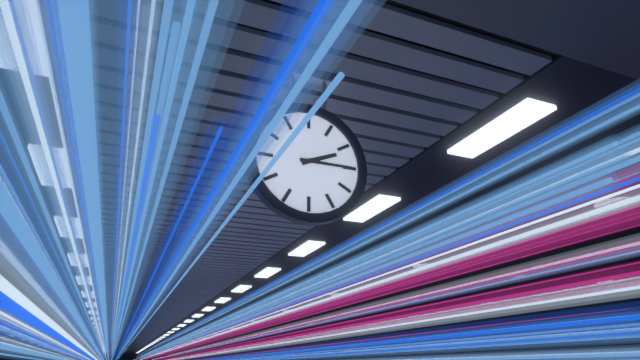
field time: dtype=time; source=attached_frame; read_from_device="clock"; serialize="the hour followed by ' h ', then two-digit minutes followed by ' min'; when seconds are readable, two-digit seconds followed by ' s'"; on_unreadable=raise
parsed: 2 h 15 min
